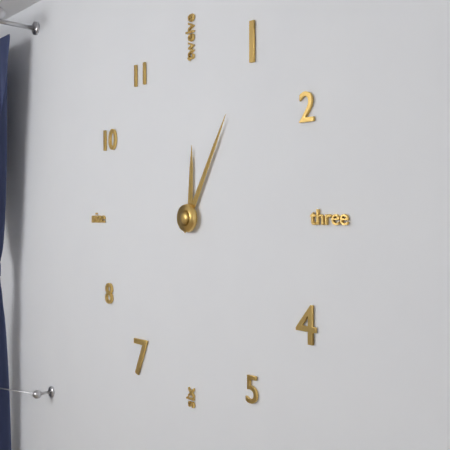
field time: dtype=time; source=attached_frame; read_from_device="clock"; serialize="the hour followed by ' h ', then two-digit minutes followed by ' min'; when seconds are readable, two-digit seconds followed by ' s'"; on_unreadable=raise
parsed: 12 h 05 min
